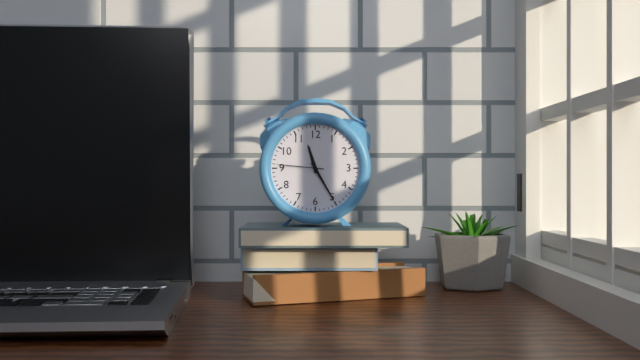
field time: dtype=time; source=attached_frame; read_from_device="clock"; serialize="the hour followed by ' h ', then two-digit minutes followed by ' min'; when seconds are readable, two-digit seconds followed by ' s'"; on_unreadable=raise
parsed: 11 h 25 min
